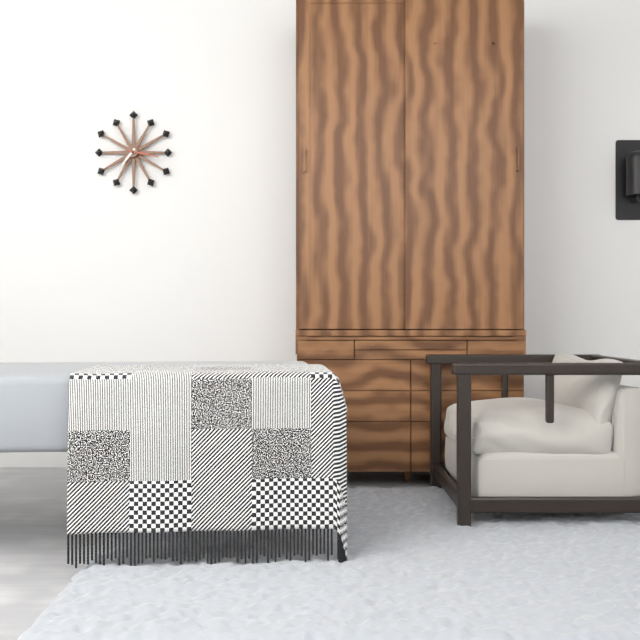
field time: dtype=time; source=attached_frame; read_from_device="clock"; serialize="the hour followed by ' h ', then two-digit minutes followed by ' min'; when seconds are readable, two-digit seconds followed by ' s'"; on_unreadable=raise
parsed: 7 h 17 min
